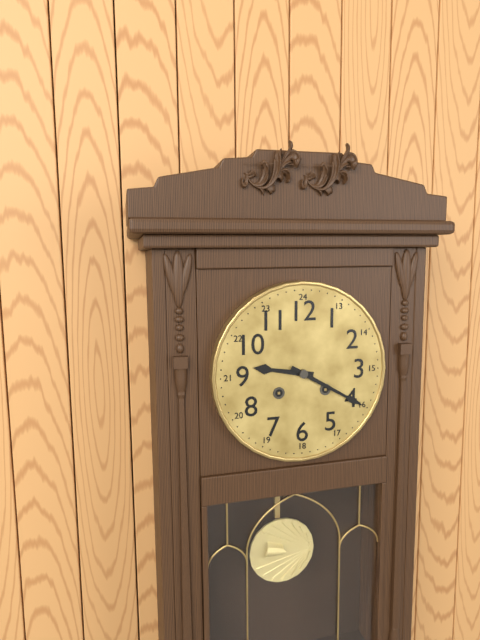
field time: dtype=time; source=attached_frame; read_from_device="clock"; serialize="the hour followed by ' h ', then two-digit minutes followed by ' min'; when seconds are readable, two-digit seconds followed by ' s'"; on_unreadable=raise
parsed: 9 h 20 min
